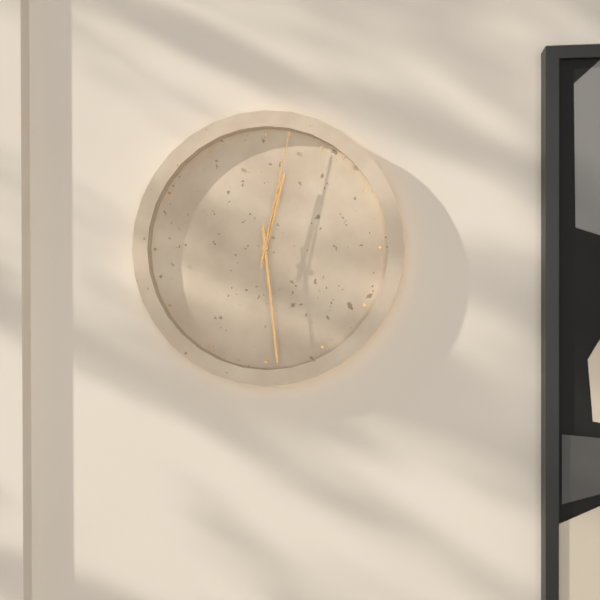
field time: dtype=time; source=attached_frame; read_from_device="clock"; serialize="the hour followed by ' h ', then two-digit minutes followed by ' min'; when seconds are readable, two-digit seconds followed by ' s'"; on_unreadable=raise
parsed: 12 h 29 min 02 s
